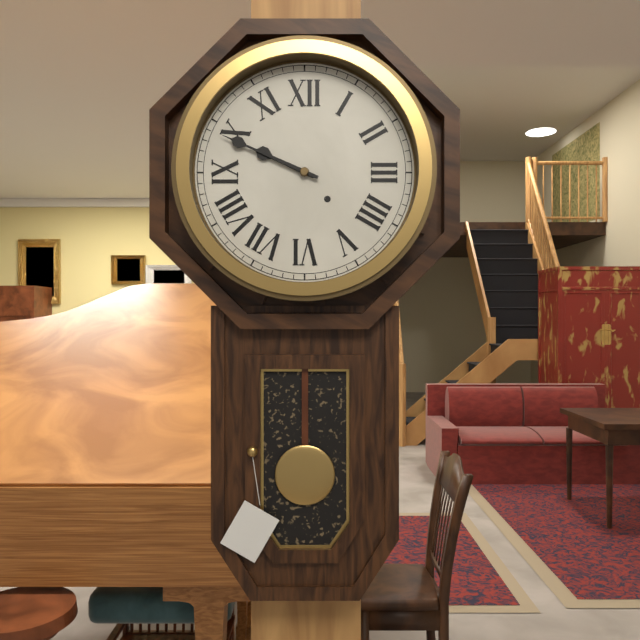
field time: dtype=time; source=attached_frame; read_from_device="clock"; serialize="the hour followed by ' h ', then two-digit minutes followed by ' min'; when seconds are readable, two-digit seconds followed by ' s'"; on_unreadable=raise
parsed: 9 h 49 min
